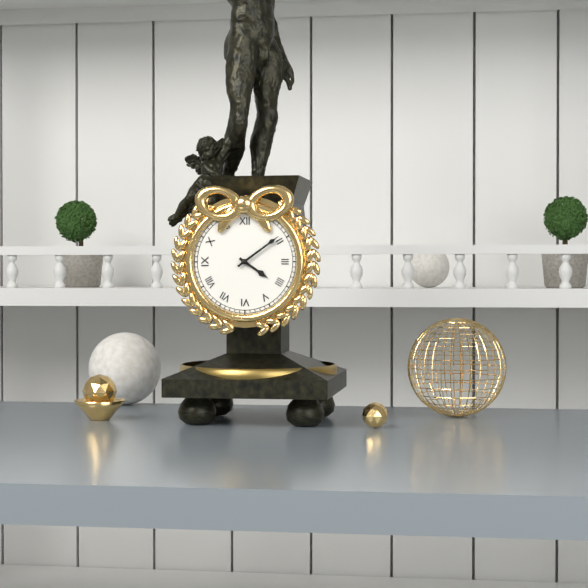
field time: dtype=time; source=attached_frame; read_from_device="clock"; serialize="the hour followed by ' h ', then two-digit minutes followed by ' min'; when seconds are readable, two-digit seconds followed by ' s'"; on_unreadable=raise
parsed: 4 h 09 min
